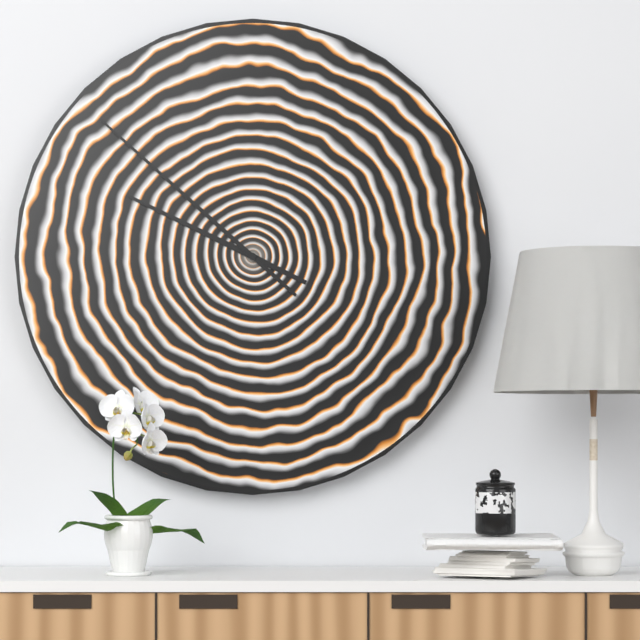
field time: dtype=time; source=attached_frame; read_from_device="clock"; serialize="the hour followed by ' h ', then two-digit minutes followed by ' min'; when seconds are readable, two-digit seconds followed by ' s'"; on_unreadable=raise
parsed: 9 h 52 min
